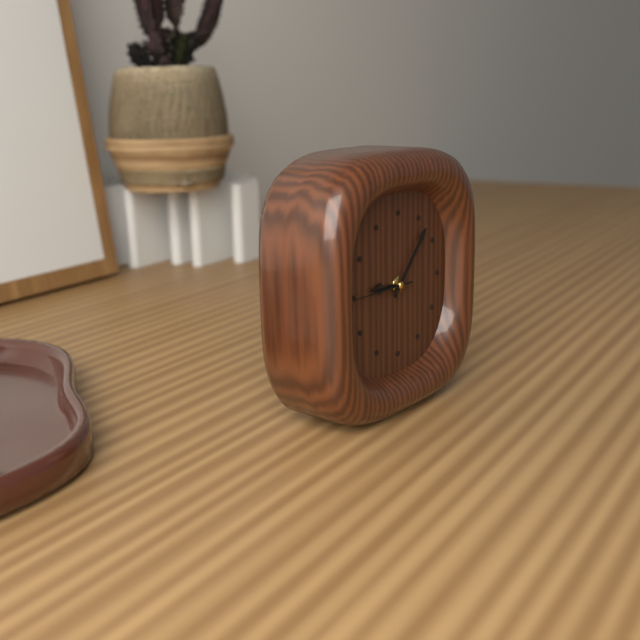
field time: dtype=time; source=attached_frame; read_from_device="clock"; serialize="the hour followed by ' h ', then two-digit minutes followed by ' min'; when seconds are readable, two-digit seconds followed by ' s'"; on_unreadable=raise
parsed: 9 h 07 min 45 s
